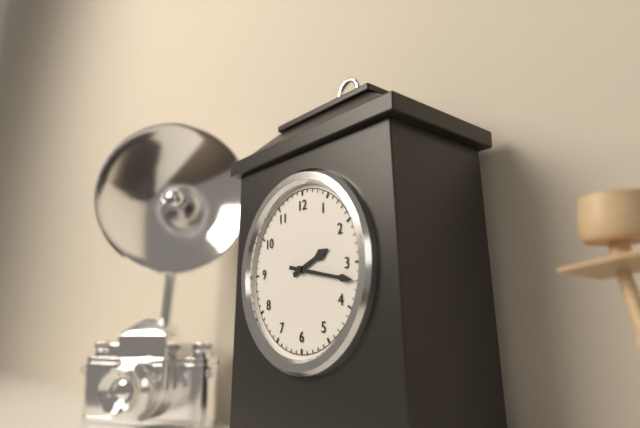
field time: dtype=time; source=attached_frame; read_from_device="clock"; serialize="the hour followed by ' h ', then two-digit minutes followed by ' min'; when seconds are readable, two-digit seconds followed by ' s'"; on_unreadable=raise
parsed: 2 h 17 min
